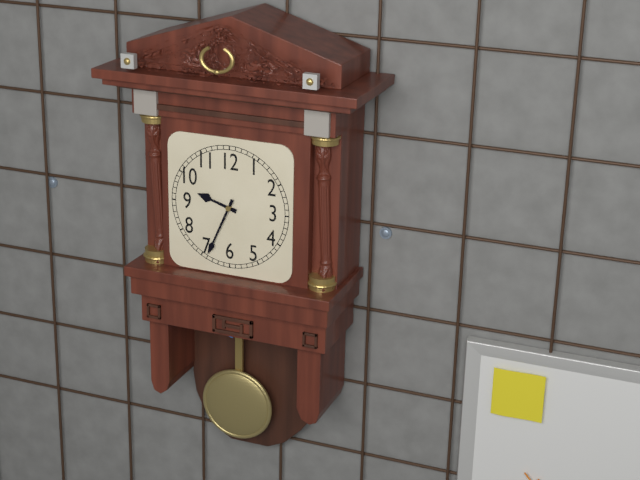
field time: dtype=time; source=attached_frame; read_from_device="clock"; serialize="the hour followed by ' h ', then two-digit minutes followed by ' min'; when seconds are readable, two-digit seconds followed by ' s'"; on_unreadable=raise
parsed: 9 h 34 min
